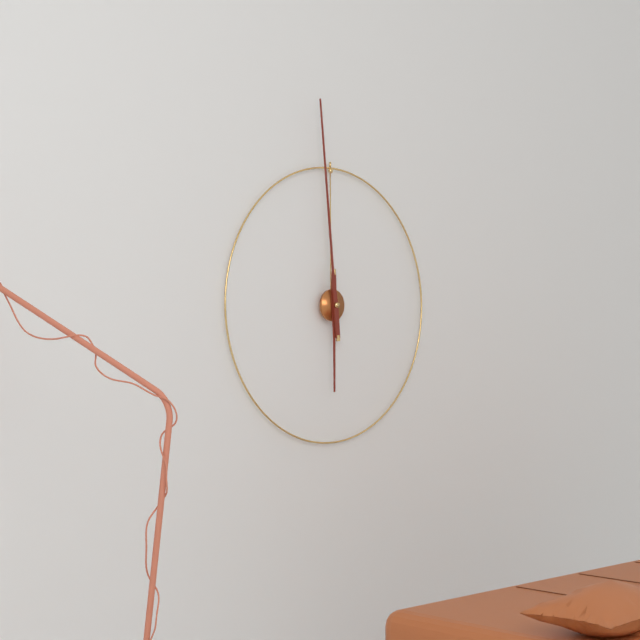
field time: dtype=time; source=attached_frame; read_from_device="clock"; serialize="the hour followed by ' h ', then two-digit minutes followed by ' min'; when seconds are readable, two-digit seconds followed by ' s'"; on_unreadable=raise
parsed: 5 h 59 min
